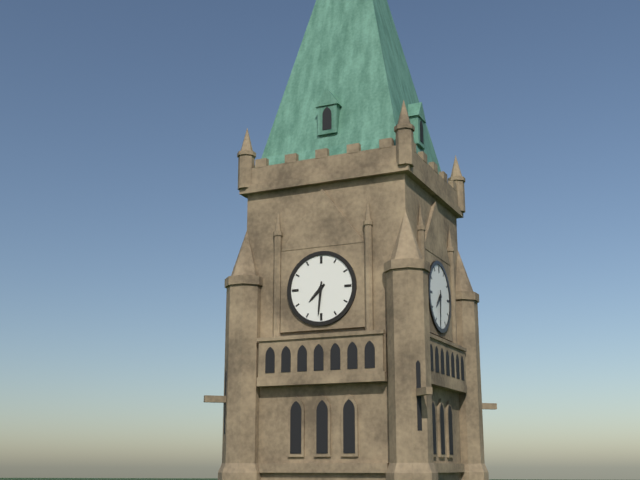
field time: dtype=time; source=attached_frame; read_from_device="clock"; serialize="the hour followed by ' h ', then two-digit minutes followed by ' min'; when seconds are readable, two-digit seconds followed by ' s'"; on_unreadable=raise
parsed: 7 h 31 min
